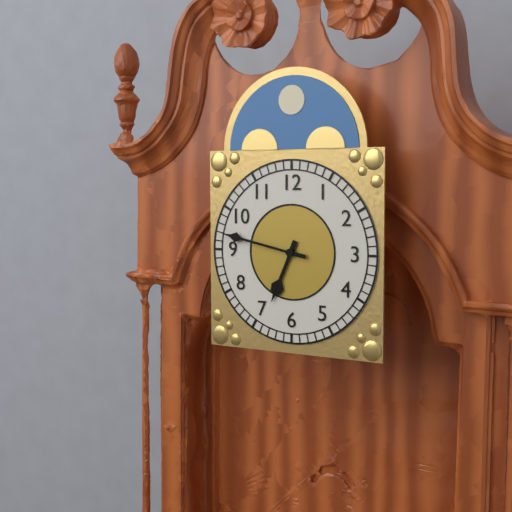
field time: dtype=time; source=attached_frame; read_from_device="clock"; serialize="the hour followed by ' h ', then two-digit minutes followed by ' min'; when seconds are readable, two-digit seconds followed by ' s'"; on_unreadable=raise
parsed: 6 h 47 min
